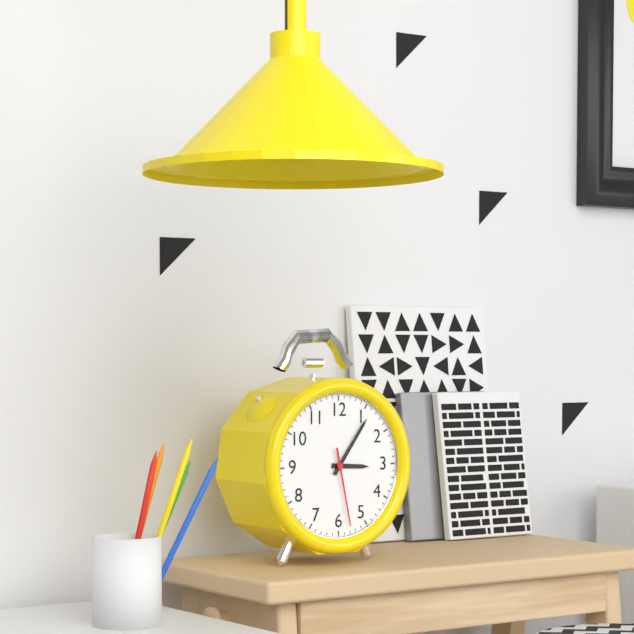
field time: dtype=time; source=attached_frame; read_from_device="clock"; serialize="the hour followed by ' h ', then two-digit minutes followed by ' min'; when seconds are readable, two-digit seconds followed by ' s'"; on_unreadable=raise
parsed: 3 h 06 min 28 s
